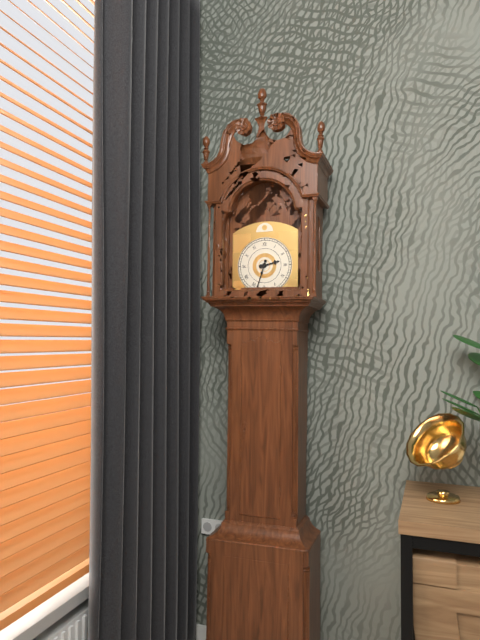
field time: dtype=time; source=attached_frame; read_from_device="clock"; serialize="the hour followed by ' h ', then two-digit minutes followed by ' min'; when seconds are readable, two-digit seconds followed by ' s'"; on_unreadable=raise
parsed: 2 h 33 min
